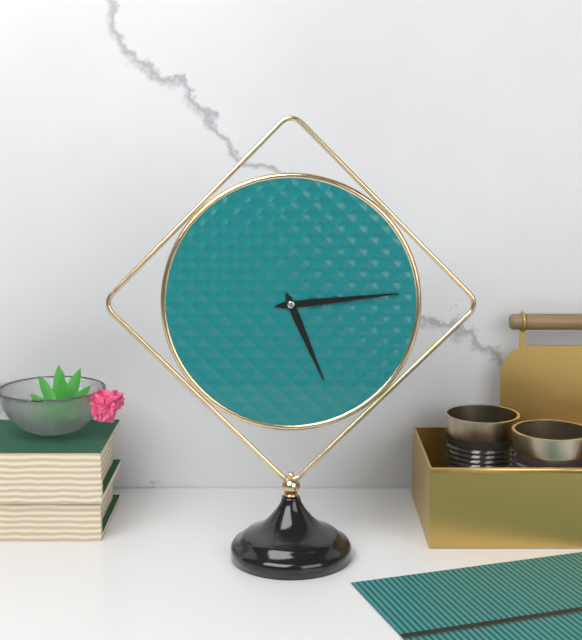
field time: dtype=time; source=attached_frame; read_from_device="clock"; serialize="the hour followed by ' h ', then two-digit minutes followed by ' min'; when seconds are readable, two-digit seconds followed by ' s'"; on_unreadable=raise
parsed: 5 h 14 min
